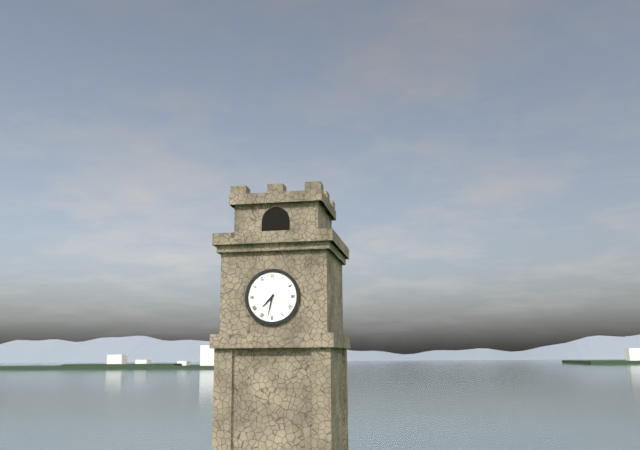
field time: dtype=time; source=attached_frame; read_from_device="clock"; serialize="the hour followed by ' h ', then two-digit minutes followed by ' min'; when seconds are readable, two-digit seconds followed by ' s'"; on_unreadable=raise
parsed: 7 h 32 min
